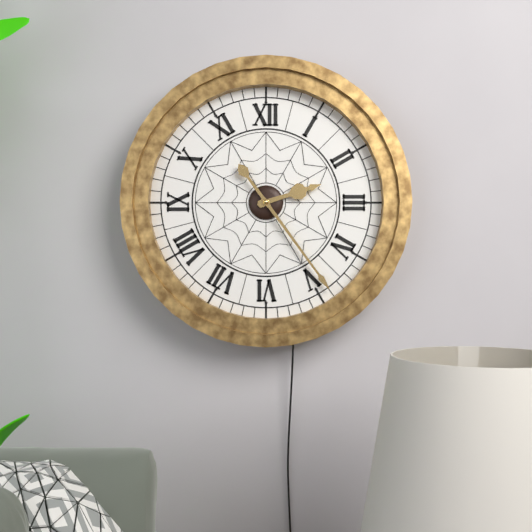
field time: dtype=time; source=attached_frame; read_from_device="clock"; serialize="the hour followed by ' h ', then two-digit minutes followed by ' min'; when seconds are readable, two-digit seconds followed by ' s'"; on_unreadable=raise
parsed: 2 h 24 min
